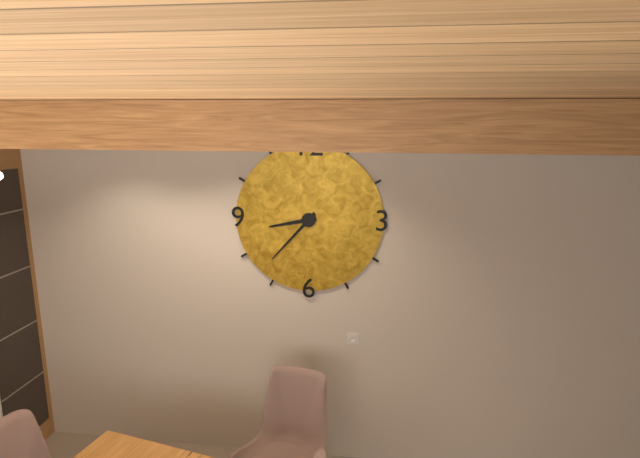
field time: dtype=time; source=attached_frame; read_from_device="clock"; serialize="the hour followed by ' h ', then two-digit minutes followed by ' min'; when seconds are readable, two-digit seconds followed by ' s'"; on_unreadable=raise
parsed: 8 h 37 min
